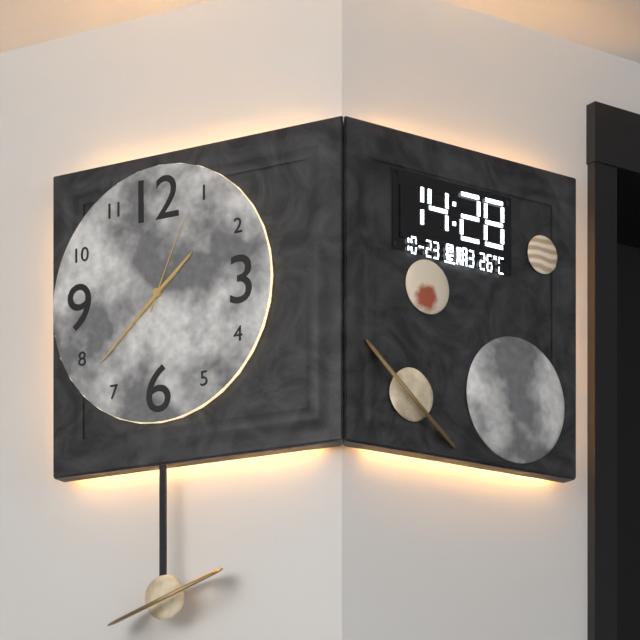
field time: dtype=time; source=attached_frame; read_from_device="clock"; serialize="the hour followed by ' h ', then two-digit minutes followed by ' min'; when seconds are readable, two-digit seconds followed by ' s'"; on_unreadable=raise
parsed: 1 h 38 min 04 s
